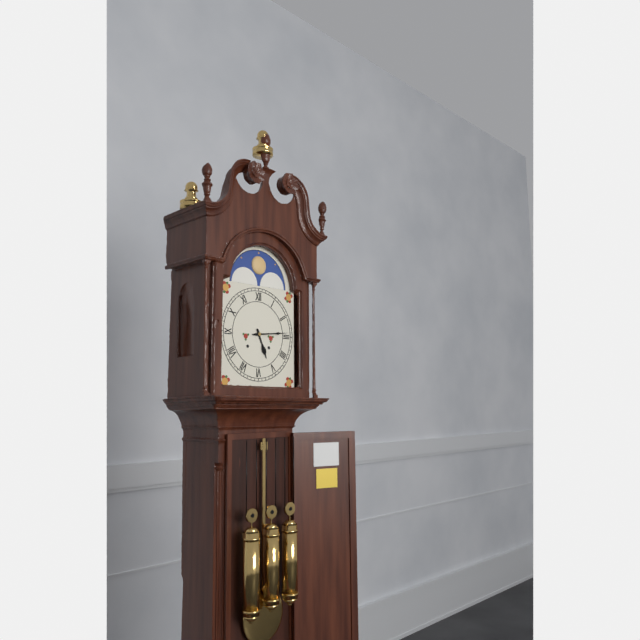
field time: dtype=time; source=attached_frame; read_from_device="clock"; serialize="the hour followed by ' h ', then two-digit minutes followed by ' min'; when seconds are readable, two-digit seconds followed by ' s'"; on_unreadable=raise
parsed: 5 h 14 min
